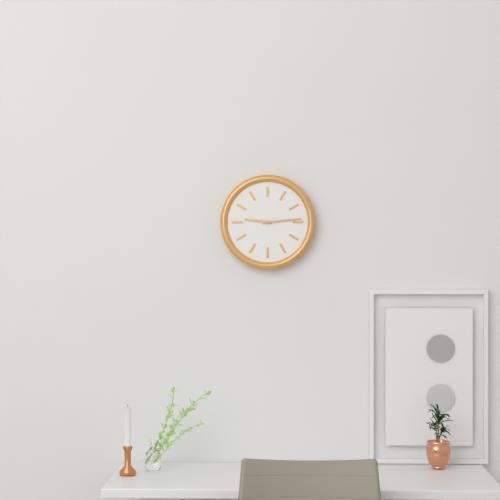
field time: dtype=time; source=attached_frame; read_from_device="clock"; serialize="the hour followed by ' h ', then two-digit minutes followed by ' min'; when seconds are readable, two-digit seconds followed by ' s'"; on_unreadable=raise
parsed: 9 h 14 min
